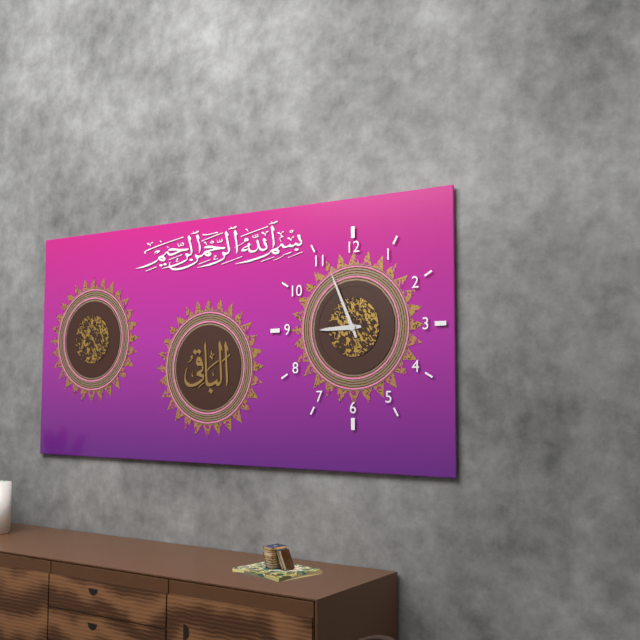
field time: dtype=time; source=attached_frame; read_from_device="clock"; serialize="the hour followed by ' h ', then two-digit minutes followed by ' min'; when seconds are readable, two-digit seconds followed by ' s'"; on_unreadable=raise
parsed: 8 h 56 min
